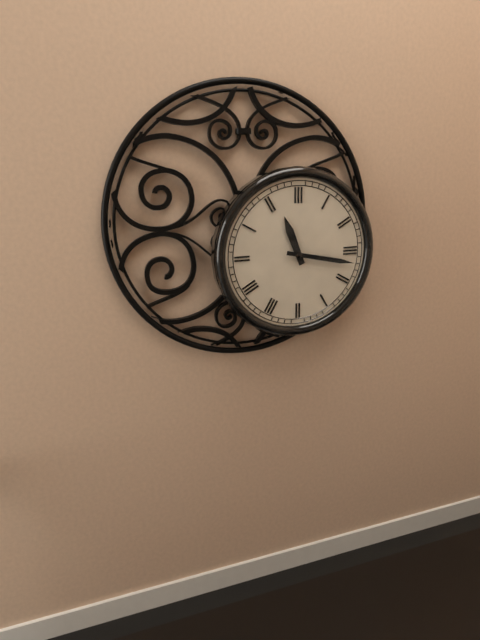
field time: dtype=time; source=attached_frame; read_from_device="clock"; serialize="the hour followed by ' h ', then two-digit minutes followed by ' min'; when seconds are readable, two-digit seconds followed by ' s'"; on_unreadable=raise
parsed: 11 h 17 min
